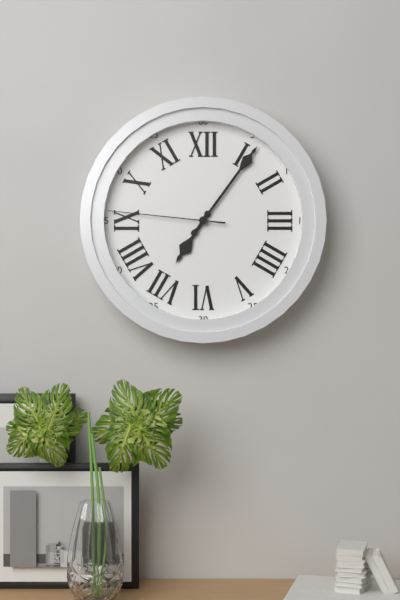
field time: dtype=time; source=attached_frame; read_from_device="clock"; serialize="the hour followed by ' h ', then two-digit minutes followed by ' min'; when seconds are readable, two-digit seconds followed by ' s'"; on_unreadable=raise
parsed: 7 h 06 min 46 s
